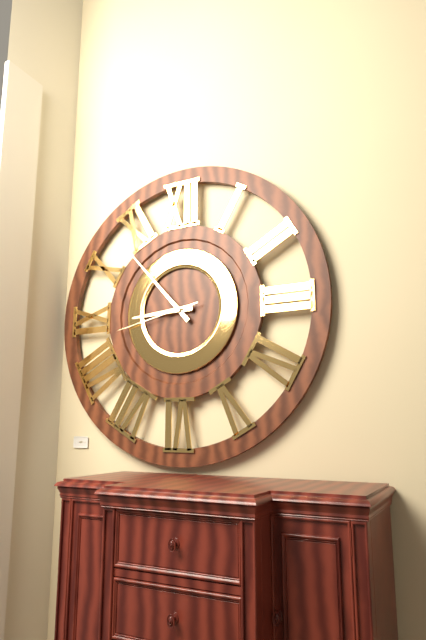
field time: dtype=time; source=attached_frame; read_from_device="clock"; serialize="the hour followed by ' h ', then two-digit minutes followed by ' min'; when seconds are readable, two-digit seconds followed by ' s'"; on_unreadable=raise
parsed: 8 h 53 min 43 s
